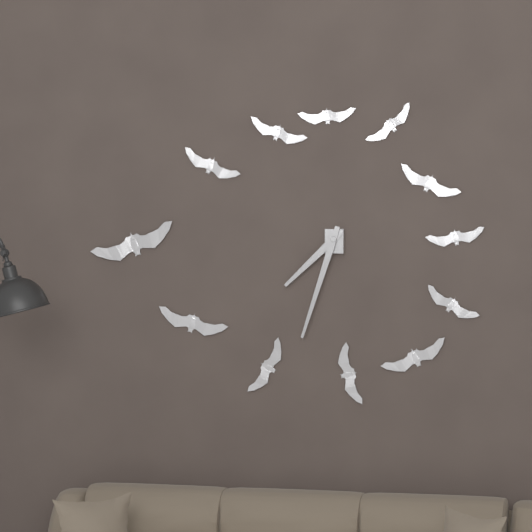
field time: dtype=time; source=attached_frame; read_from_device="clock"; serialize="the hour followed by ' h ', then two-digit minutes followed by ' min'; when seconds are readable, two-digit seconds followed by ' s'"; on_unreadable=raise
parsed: 7 h 33 min
